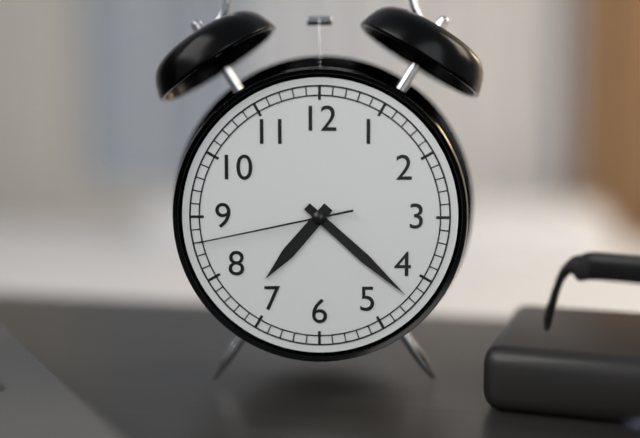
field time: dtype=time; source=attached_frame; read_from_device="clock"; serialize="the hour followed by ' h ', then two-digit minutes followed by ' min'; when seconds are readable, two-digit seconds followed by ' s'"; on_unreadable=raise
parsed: 7 h 22 min 43 s
